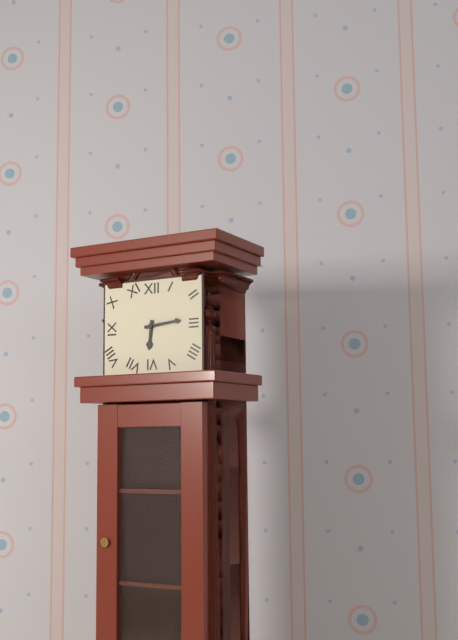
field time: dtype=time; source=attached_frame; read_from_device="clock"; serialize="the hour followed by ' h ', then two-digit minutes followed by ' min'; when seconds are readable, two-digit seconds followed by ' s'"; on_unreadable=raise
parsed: 6 h 14 min
